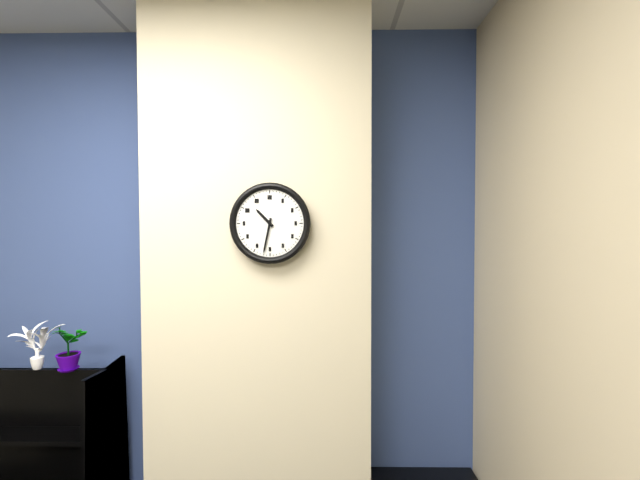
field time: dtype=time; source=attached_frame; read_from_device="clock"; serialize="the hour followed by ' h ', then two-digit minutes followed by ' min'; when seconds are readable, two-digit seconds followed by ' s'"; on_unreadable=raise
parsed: 10 h 32 min
